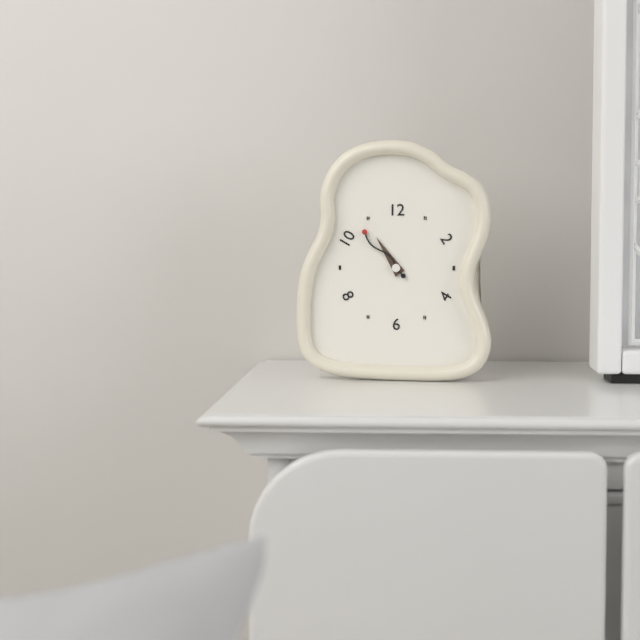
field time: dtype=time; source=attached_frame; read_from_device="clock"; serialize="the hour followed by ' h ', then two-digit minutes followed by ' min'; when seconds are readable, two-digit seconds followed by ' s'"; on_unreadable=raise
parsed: 10 h 53 min
